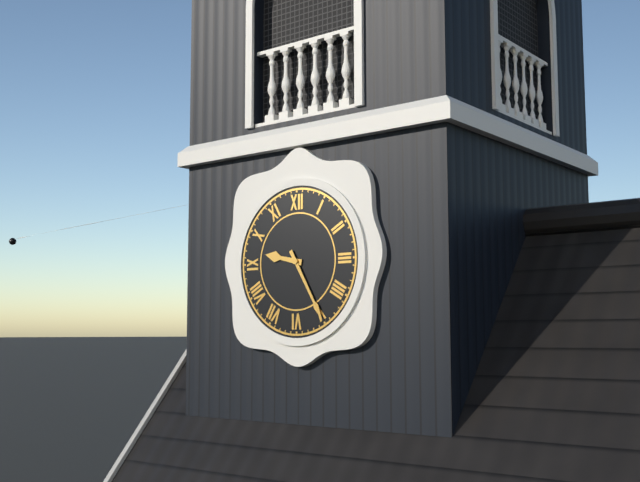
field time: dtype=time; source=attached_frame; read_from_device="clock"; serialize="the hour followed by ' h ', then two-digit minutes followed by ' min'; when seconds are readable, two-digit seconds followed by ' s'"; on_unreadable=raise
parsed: 9 h 25 min
